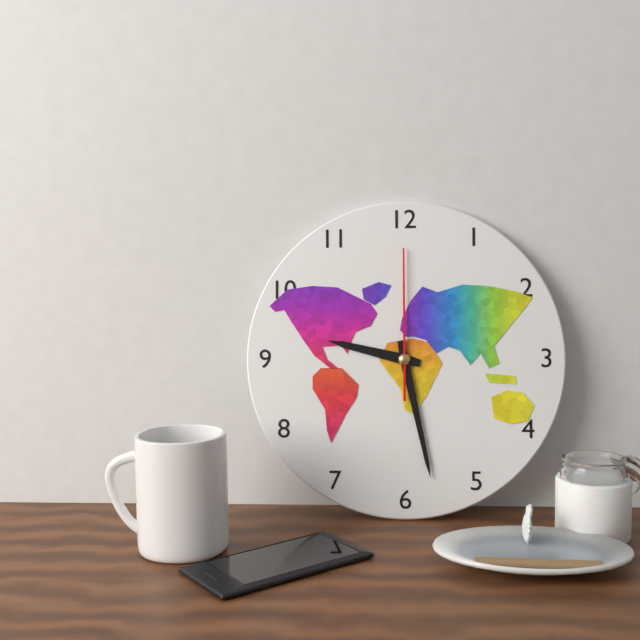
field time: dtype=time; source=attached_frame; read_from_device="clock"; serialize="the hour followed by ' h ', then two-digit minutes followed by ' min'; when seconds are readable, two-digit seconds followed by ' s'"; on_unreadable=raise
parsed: 9 h 28 min 00 s
